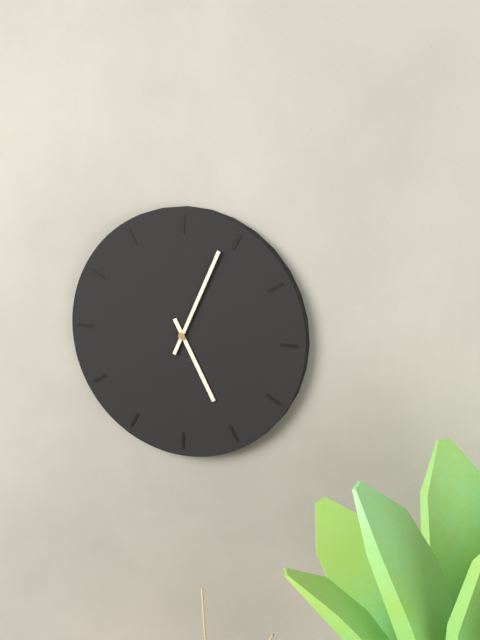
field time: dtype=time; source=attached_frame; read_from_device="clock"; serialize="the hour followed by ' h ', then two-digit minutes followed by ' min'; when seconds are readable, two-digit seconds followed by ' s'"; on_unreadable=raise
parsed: 5 h 04 min
